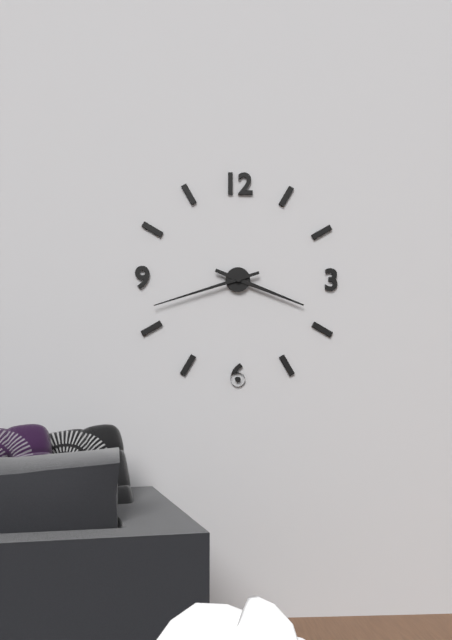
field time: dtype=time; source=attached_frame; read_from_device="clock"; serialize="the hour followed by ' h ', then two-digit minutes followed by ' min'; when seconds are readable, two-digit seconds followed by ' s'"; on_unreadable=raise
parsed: 3 h 42 min
